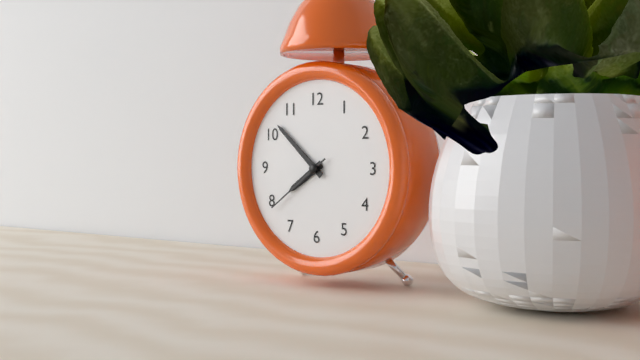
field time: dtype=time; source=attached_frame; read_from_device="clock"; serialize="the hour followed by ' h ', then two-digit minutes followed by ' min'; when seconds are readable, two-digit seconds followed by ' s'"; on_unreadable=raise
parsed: 7 h 52 min 39 s
